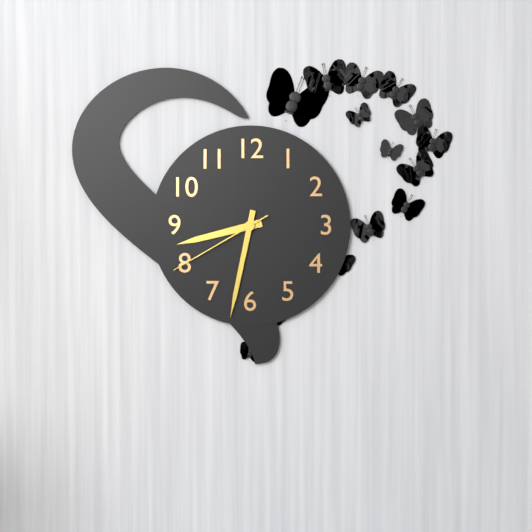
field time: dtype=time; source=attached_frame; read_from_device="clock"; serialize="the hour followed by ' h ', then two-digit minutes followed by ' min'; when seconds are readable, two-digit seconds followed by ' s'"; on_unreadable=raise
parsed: 8 h 32 min 40 s
